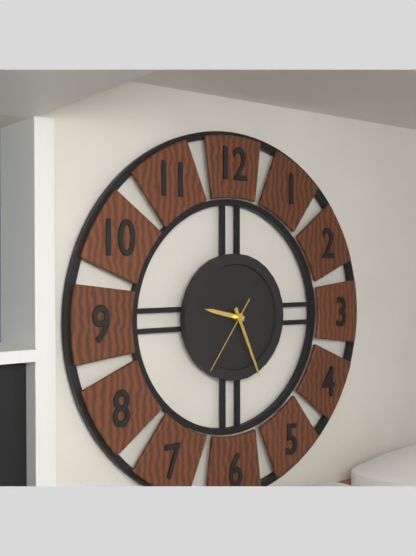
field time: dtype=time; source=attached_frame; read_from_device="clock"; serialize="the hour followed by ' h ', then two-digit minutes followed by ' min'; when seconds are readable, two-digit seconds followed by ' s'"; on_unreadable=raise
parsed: 9 h 26 min 36 s
